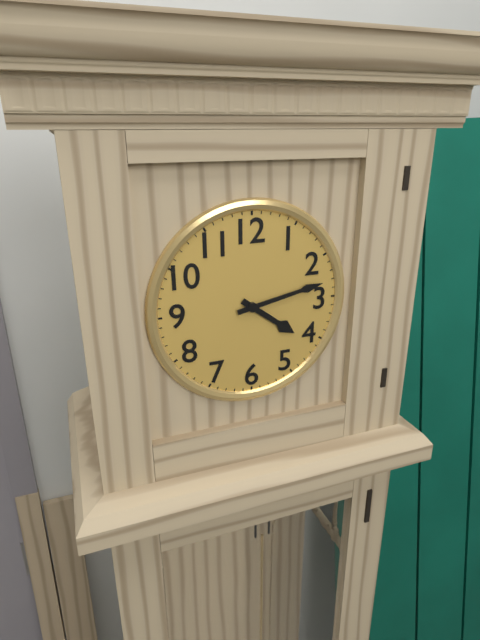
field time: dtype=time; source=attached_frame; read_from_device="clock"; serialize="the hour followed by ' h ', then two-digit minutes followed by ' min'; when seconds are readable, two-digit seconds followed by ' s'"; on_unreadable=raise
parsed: 4 h 13 min
